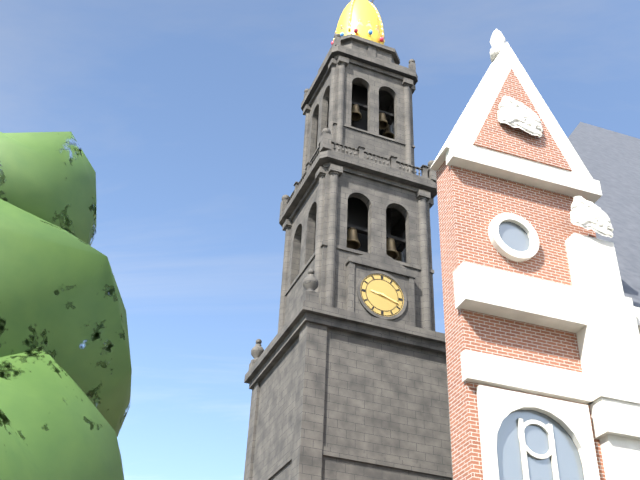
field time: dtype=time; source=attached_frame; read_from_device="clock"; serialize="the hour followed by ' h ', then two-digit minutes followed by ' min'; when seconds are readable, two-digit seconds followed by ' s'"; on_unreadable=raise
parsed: 9 h 18 min
